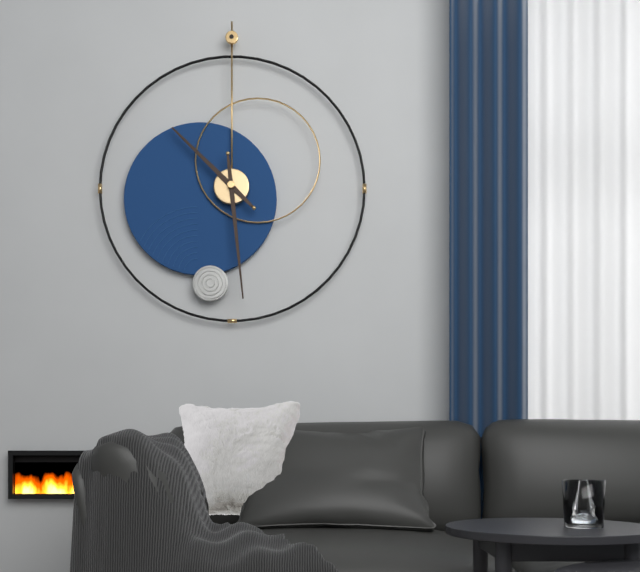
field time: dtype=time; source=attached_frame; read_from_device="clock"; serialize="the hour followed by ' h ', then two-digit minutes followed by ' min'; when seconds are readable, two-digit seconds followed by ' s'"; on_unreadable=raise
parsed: 10 h 29 min
